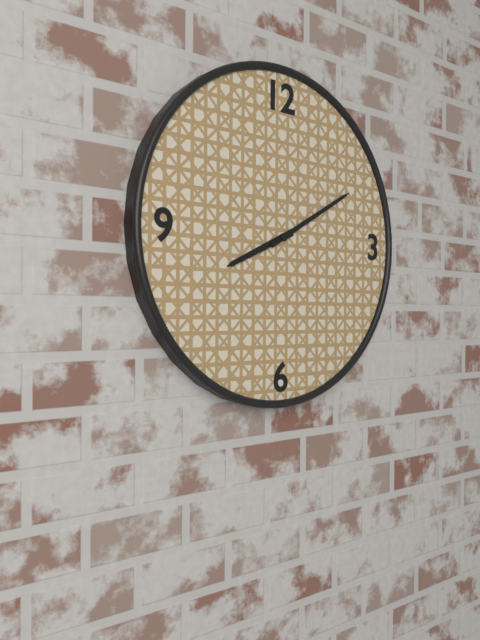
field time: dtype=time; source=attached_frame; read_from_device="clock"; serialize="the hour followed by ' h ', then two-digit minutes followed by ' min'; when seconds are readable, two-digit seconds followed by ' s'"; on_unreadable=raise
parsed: 8 h 10 min
